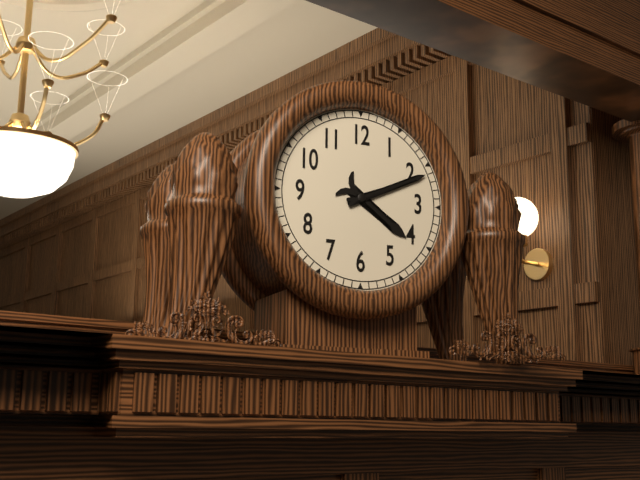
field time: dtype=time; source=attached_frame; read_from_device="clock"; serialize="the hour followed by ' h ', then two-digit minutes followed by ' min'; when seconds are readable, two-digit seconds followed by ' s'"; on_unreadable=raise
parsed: 4 h 11 min
